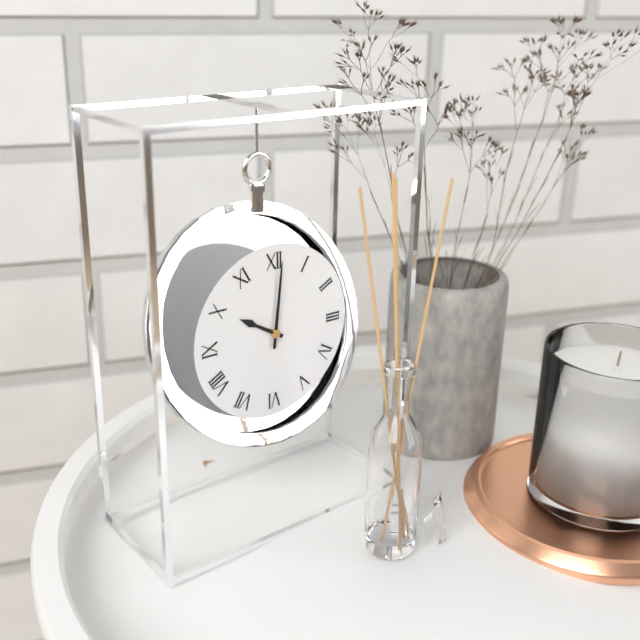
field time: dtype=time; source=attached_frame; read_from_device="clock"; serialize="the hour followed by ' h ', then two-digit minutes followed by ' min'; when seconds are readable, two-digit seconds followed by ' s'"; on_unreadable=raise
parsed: 10 h 01 min
